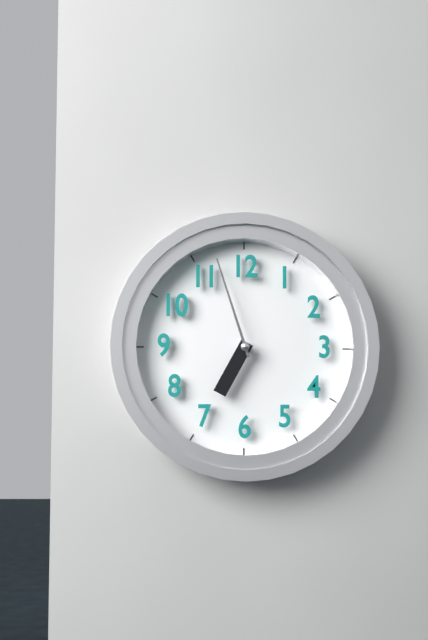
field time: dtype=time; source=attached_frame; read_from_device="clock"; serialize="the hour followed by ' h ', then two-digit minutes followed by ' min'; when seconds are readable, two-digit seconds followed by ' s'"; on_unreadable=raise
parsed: 6 h 57 min
